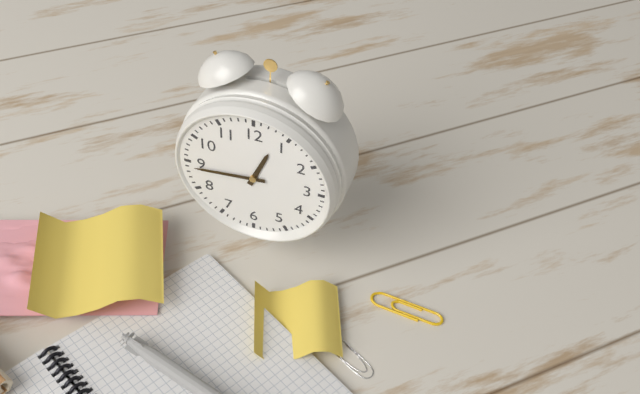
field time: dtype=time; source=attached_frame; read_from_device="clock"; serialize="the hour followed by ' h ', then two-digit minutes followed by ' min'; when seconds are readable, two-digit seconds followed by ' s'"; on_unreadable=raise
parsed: 12 h 44 min
